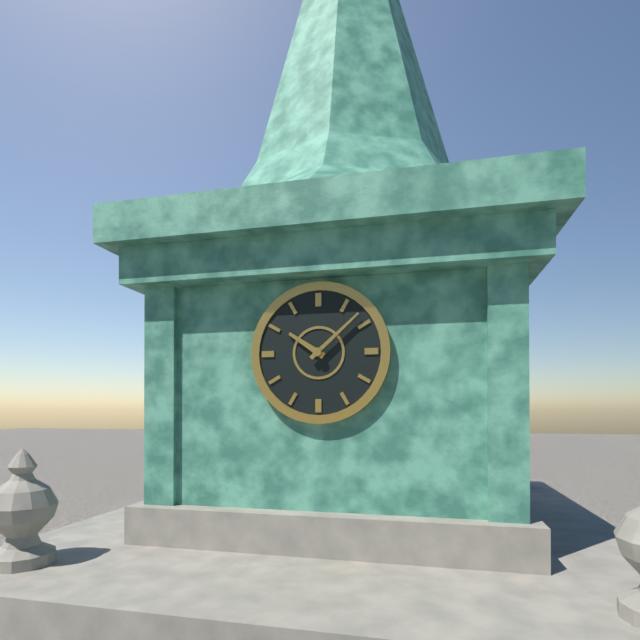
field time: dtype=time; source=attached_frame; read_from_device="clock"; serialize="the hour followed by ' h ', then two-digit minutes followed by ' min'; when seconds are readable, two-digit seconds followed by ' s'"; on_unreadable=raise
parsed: 10 h 08 min
